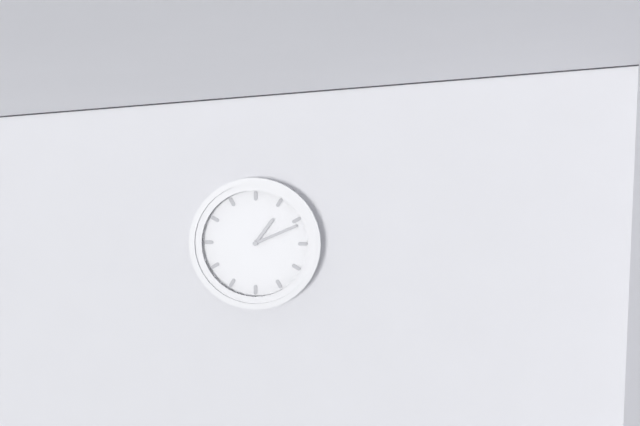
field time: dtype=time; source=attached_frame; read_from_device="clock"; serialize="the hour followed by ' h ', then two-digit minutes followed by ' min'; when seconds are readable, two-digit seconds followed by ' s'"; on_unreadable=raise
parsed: 1 h 11 min
